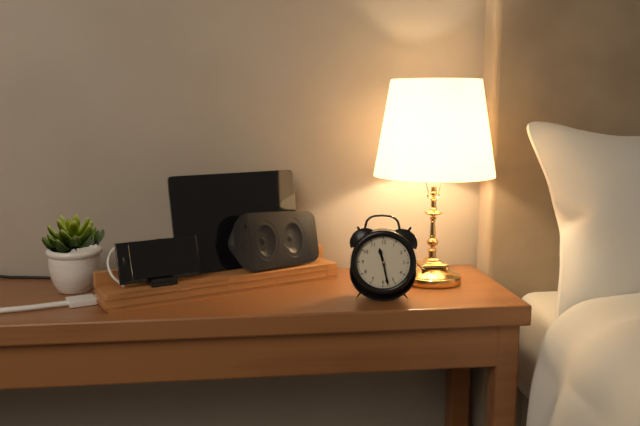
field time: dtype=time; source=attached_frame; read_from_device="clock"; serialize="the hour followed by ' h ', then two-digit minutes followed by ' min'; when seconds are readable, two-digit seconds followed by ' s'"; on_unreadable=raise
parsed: 11 h 28 min
